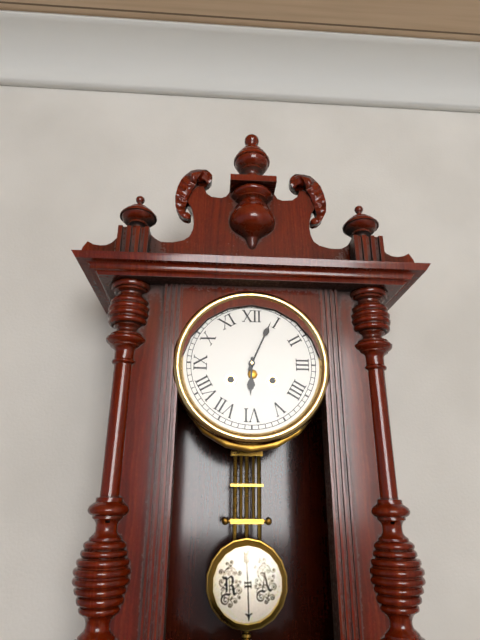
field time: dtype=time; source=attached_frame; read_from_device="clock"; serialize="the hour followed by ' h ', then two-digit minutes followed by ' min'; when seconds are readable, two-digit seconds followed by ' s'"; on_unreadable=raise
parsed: 6 h 04 min
